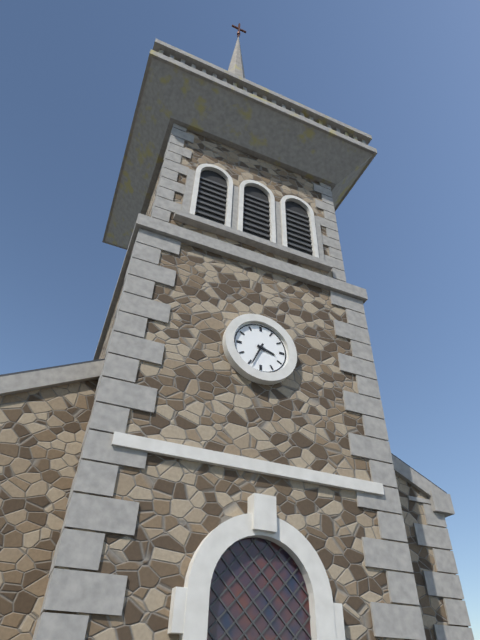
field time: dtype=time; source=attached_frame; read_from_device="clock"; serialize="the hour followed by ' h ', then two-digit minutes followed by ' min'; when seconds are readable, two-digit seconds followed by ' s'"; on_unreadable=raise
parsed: 3 h 34 min
